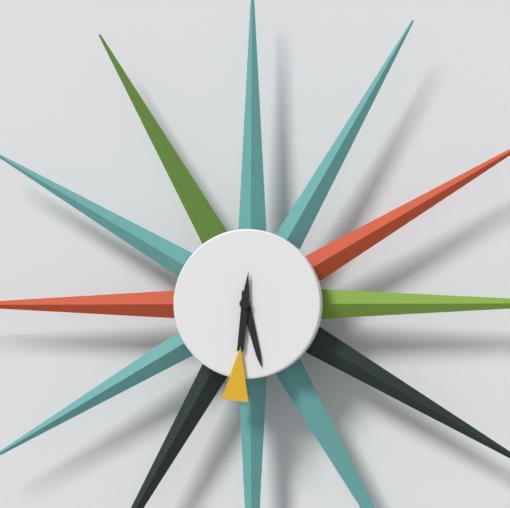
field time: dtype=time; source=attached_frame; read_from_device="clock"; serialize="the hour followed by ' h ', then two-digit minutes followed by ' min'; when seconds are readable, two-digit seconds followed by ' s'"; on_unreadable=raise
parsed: 5 h 31 min
